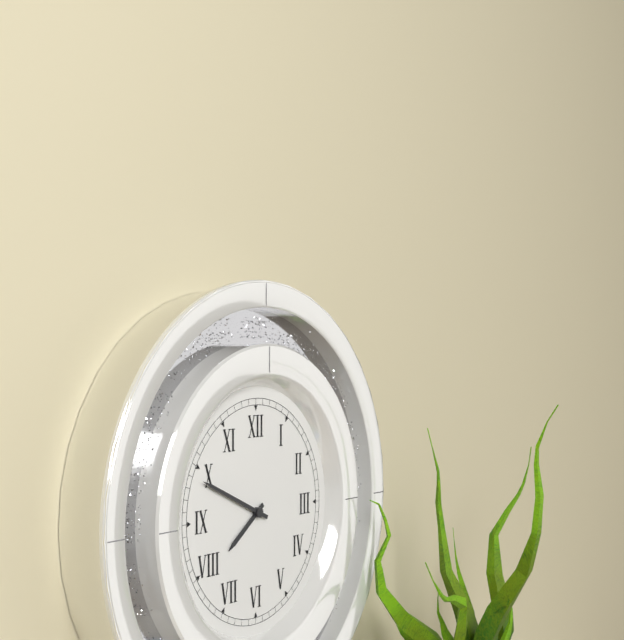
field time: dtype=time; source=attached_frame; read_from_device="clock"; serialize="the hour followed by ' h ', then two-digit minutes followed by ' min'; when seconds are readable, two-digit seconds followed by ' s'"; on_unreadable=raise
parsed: 7 h 49 min
